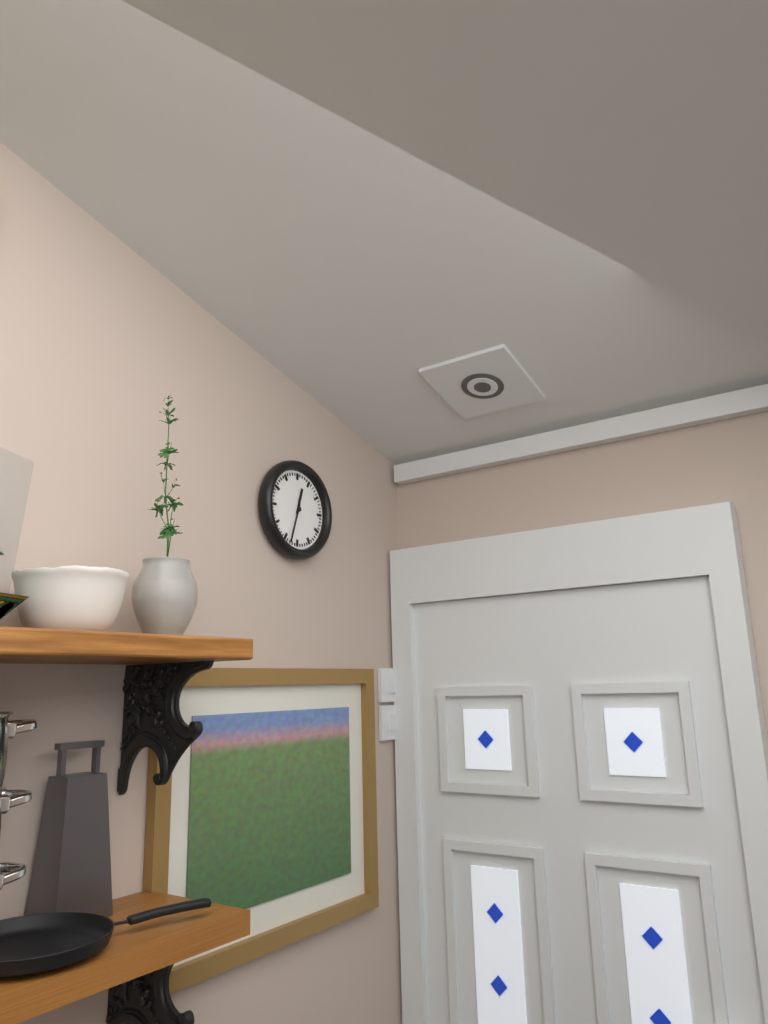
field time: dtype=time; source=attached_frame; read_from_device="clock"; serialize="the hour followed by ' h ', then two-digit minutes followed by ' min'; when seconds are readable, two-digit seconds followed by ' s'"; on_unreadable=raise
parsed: 12 h 33 min
